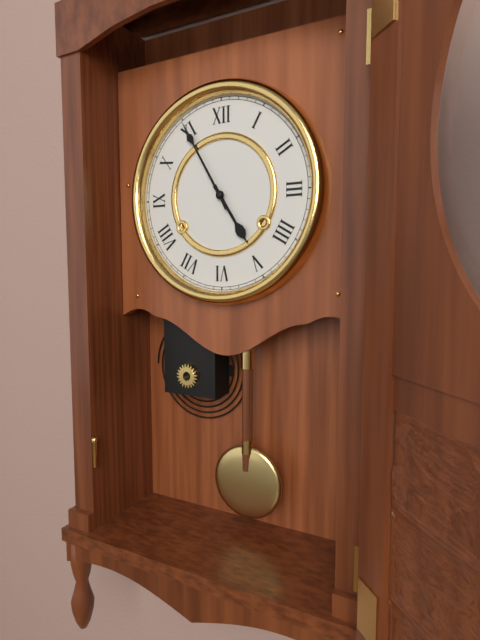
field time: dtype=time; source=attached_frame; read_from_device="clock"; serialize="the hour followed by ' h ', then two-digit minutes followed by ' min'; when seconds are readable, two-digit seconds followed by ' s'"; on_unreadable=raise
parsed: 4 h 55 min
